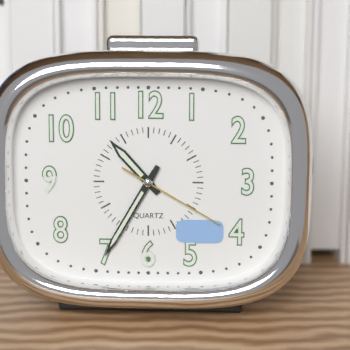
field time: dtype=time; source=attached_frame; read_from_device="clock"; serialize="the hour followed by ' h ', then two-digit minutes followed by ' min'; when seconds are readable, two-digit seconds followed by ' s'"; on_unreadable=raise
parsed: 10 h 35 min 20 s
